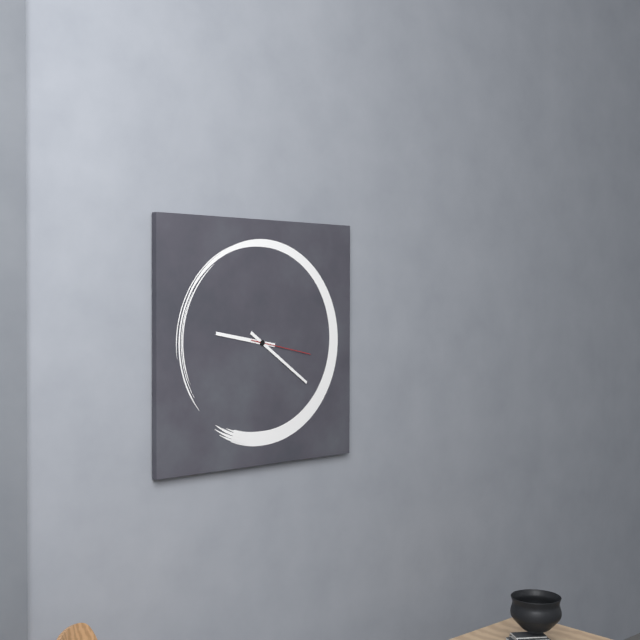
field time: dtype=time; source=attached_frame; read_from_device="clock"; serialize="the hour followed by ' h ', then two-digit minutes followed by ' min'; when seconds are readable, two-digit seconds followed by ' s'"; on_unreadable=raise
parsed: 9 h 21 min 17 s
